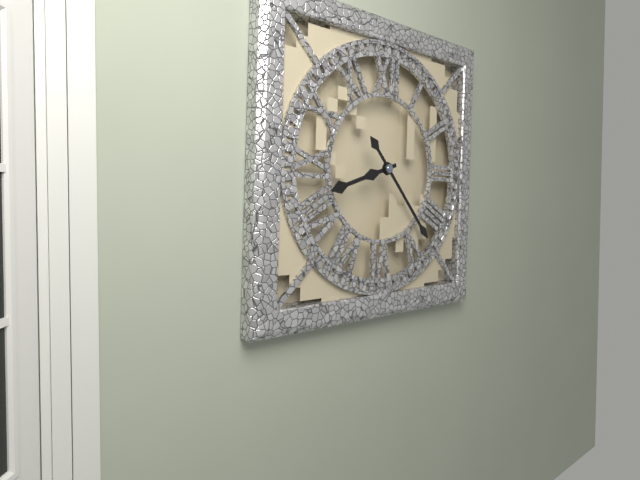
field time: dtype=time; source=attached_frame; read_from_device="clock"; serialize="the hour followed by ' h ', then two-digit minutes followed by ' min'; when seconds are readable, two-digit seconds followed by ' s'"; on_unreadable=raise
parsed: 8 h 23 min
